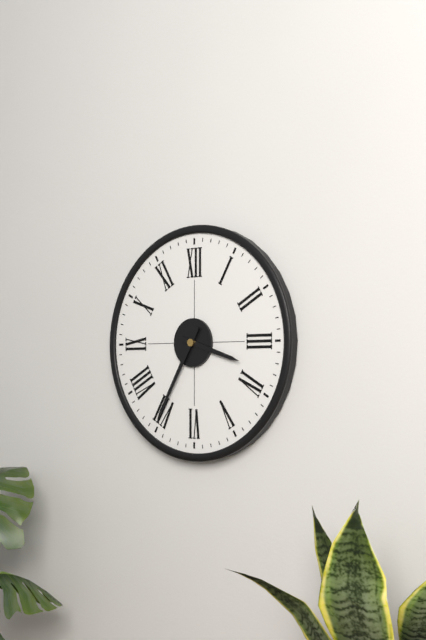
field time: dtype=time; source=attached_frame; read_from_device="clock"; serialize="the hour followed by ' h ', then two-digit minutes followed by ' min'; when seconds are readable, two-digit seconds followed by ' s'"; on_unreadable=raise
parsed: 3 h 35 min
